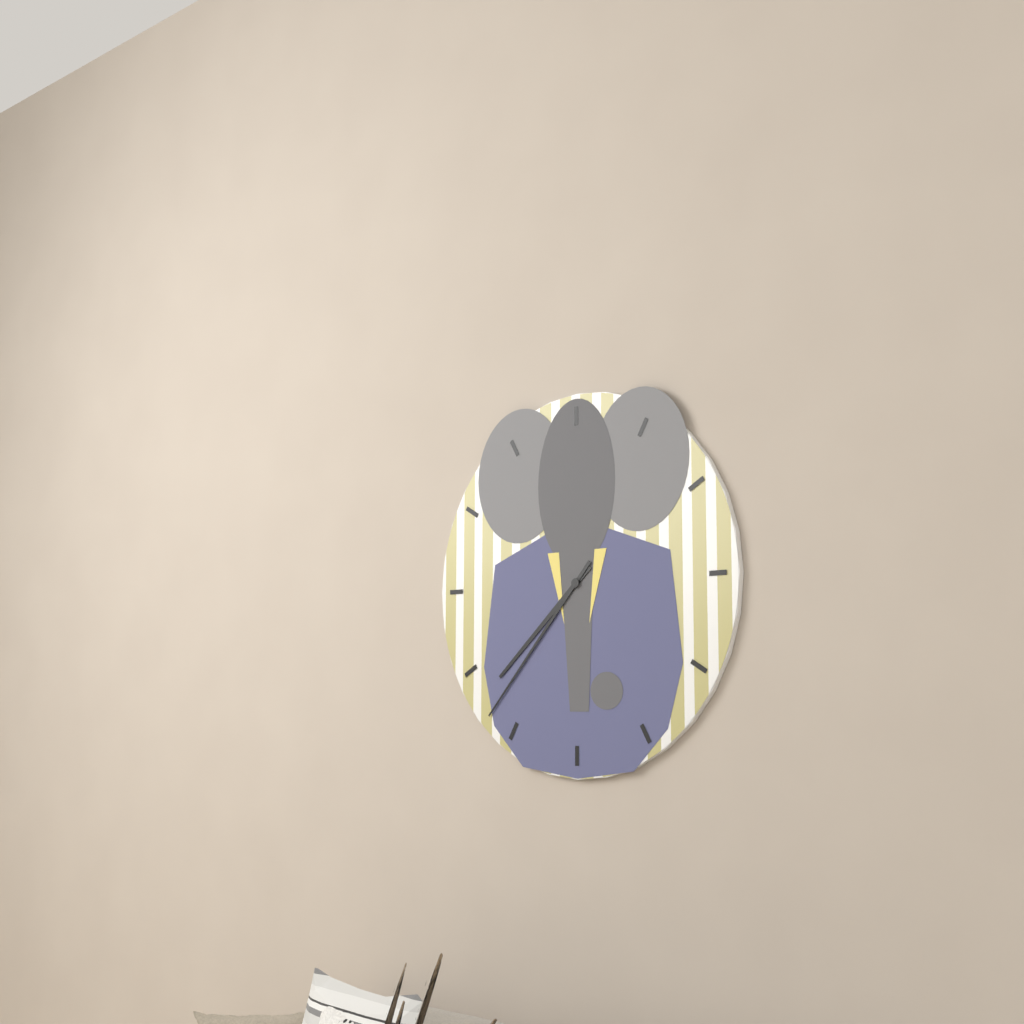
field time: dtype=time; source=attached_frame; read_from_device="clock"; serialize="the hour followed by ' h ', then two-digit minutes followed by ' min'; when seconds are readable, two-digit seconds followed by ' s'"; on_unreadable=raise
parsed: 7 h 37 min
